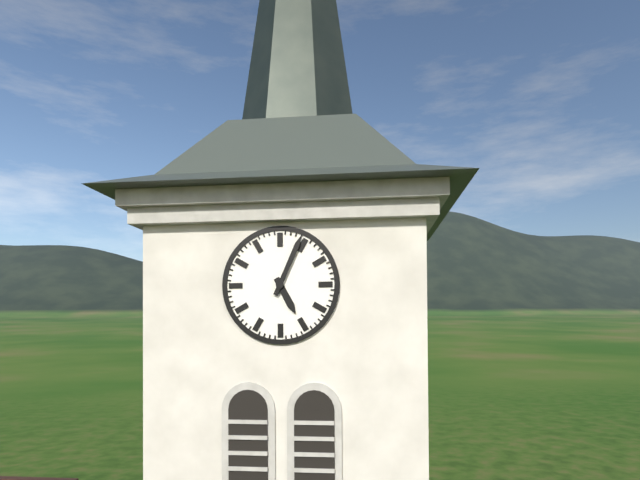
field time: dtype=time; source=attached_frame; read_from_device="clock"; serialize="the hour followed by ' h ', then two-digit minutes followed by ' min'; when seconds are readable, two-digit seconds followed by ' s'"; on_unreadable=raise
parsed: 5 h 04 min
